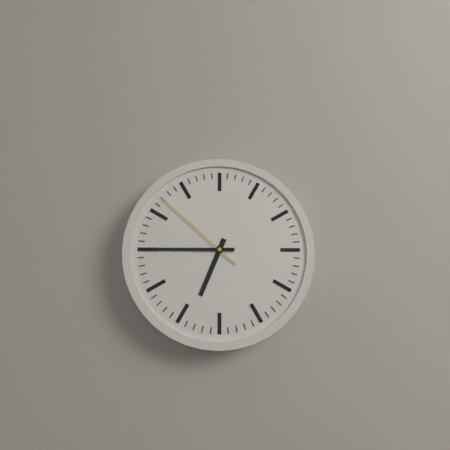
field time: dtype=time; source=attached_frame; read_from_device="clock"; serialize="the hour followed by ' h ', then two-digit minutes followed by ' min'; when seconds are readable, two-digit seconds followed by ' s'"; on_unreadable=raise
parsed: 6 h 45 min 52 s
